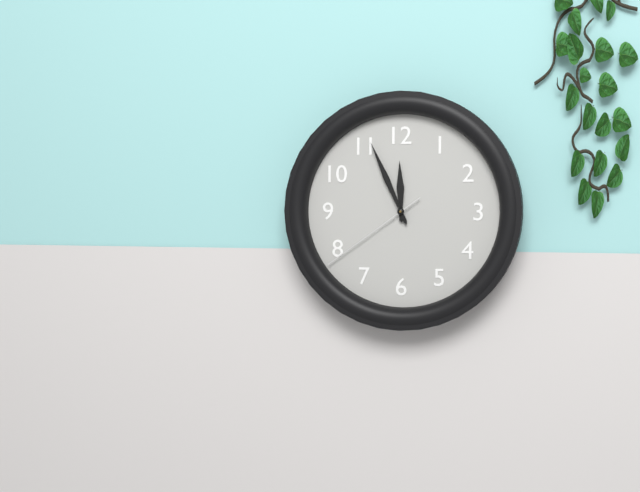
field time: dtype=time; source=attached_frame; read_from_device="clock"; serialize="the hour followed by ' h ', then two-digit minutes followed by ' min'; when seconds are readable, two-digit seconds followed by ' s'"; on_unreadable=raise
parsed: 11 h 56 min 39 s
